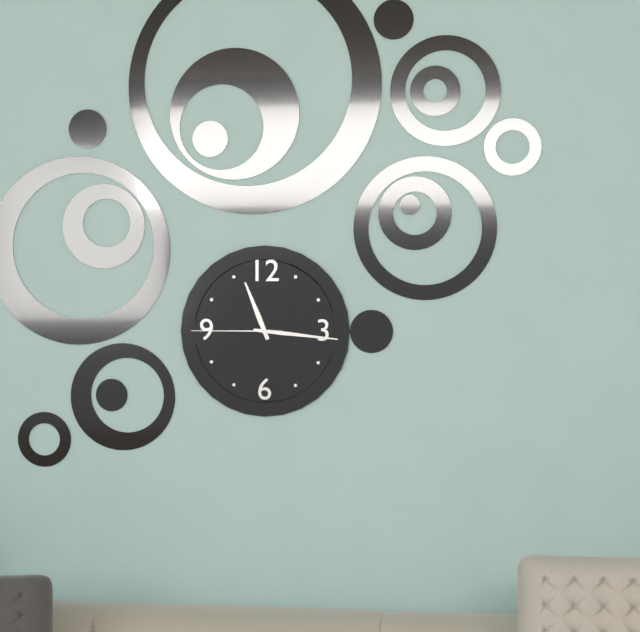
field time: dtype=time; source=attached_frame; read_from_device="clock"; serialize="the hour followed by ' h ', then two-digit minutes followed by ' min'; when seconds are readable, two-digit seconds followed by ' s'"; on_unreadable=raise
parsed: 11 h 16 min 45 s
